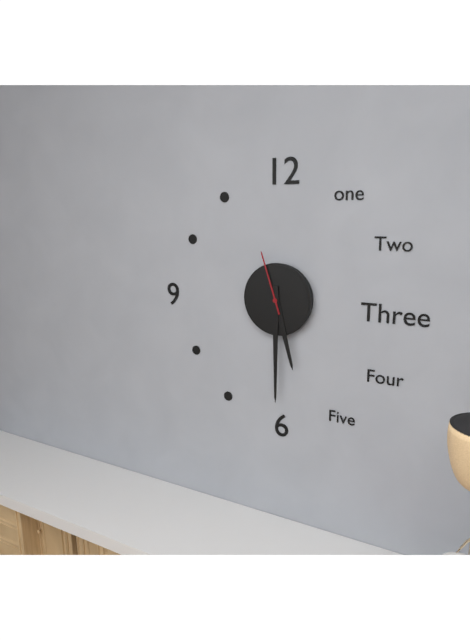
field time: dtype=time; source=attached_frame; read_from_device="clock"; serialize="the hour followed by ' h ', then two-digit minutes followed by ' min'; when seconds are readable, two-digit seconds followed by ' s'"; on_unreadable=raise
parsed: 5 h 30 min 57 s
